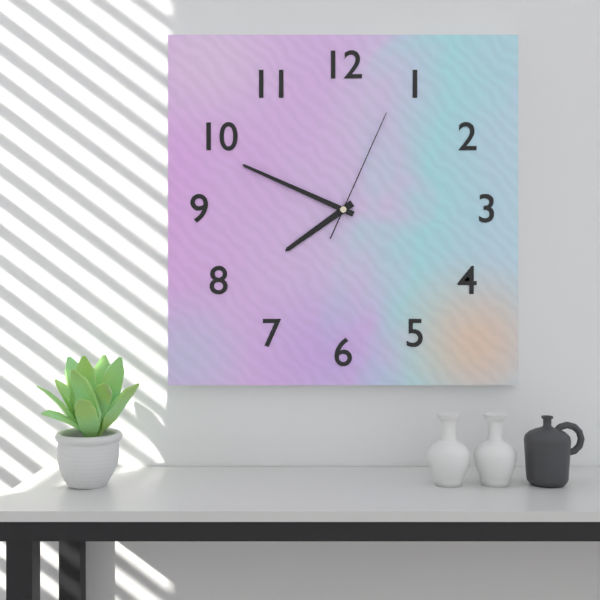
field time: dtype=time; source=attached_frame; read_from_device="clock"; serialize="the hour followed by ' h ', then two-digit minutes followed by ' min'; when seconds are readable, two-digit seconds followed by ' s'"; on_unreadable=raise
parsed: 7 h 49 min 04 s
